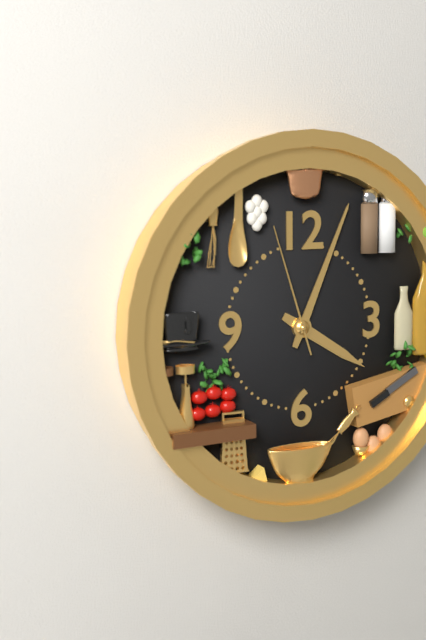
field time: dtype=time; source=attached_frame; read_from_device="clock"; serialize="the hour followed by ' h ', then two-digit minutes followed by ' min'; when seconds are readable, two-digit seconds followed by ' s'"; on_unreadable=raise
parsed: 4 h 04 min 57 s
